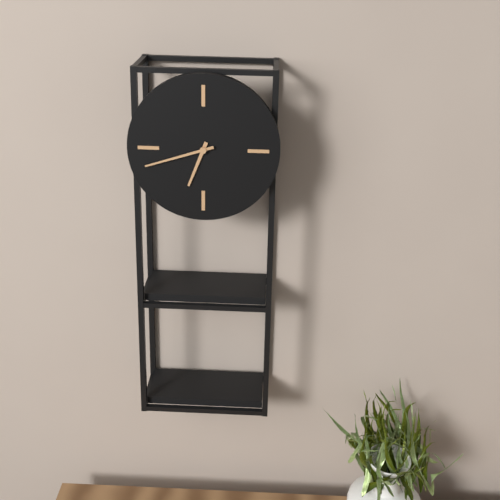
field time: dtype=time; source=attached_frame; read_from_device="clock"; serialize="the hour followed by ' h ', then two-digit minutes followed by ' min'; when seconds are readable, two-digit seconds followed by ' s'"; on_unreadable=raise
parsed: 6 h 42 min
